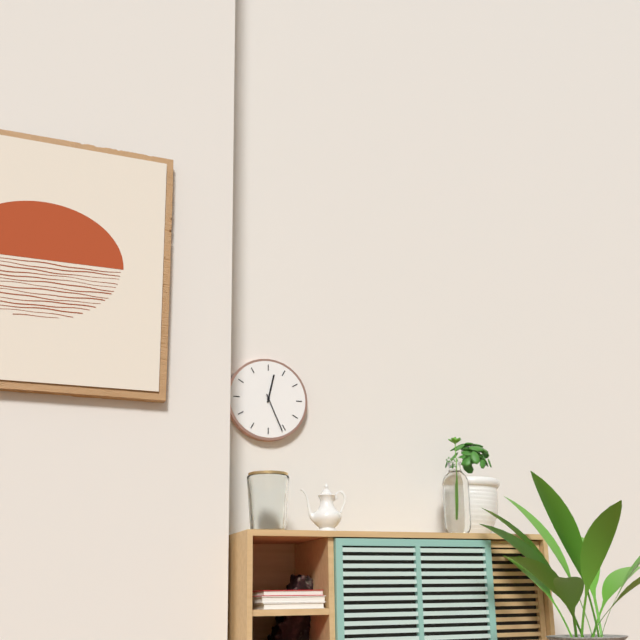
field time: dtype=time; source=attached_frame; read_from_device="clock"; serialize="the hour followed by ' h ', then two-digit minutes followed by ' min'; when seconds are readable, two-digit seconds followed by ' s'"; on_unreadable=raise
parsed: 12 h 26 min
